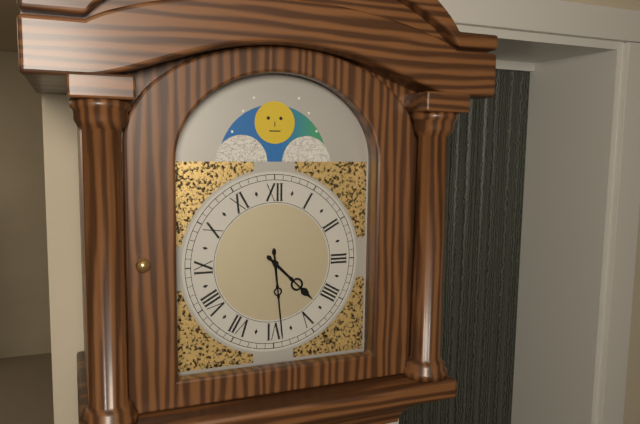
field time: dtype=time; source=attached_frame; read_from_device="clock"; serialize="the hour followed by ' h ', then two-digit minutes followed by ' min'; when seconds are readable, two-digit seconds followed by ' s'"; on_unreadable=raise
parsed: 4 h 29 min
